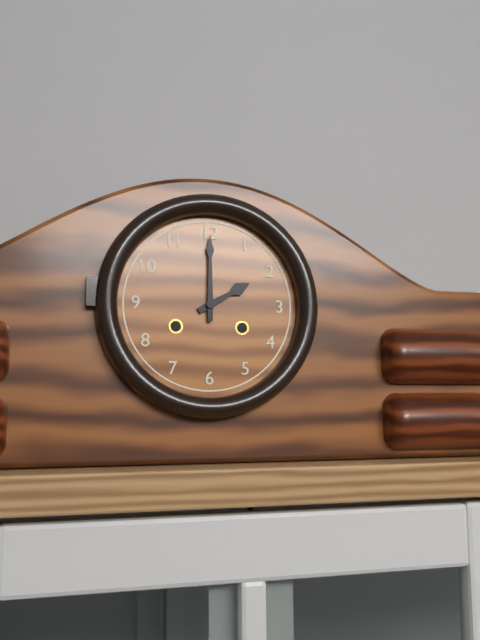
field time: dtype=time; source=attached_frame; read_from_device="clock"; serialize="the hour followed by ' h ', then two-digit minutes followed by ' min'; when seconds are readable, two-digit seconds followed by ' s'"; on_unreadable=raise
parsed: 2 h 00 min
